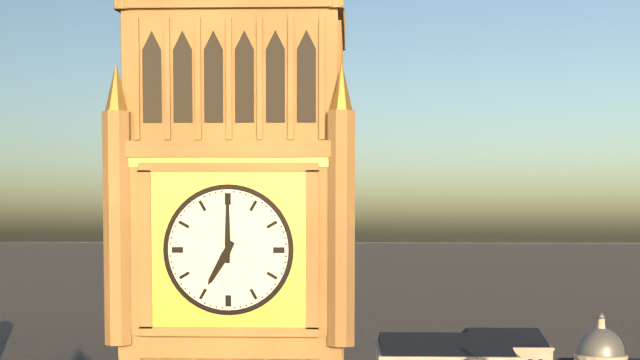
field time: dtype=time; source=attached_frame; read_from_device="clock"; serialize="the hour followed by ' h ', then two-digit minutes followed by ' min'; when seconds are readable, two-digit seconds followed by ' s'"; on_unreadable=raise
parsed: 7 h 00 min
